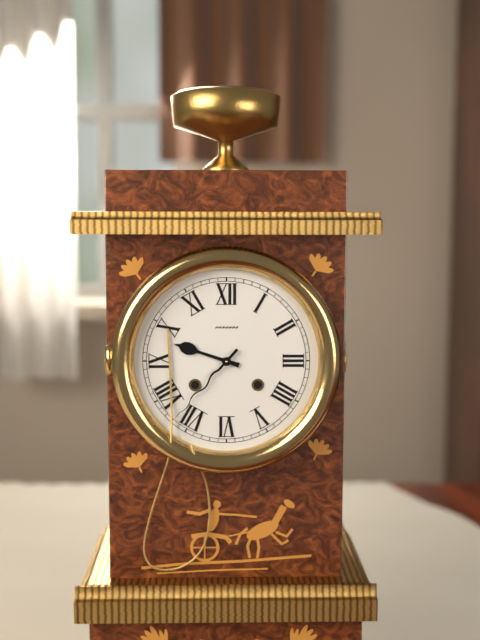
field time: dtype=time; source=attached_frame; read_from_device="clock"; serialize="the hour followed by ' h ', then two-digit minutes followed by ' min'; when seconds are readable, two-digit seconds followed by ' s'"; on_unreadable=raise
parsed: 9 h 37 min
